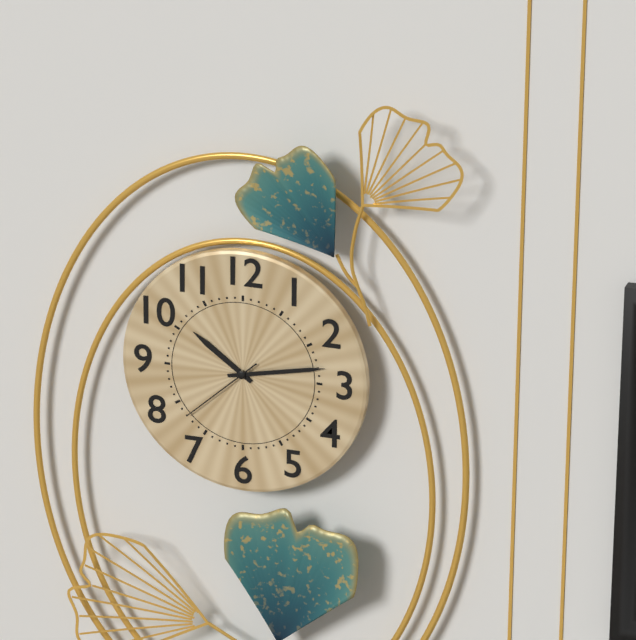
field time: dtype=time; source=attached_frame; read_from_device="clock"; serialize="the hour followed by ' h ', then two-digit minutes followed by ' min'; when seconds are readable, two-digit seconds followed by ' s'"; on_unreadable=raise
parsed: 10 h 13 min 38 s
